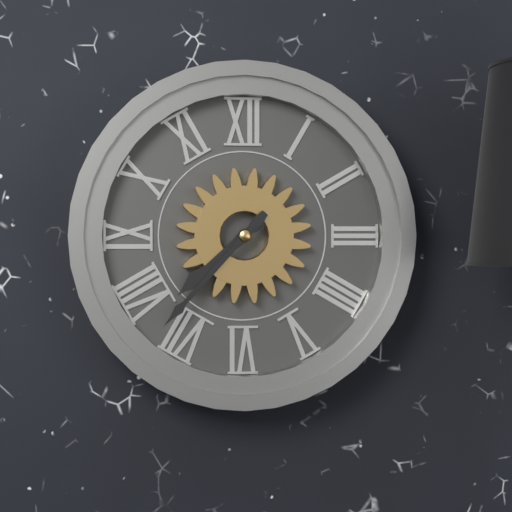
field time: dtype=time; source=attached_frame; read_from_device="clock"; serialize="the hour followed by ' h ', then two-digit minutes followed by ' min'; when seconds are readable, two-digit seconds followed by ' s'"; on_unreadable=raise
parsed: 7 h 37 min
